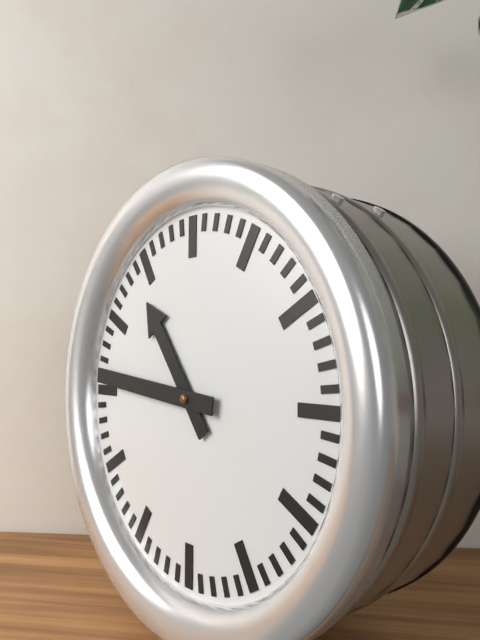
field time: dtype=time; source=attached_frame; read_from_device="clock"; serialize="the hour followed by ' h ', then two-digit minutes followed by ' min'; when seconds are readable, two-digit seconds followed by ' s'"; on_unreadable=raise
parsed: 10 h 46 min
